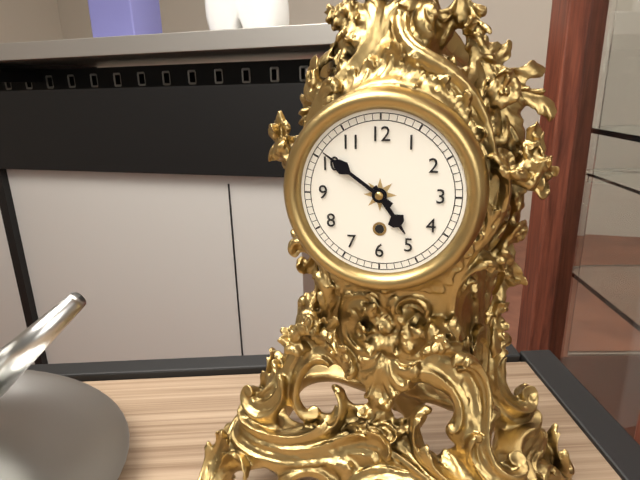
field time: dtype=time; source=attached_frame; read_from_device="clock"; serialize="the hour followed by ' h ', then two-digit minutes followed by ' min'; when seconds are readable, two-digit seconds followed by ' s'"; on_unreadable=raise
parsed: 4 h 51 min
